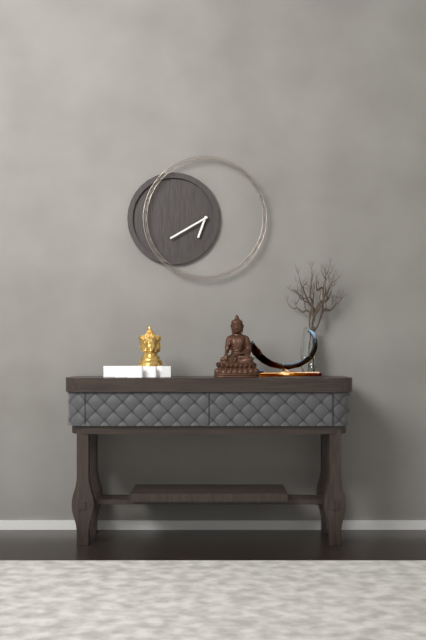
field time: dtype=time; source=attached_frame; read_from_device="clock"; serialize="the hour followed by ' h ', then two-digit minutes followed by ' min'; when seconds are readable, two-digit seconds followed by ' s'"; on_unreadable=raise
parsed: 6 h 40 min
